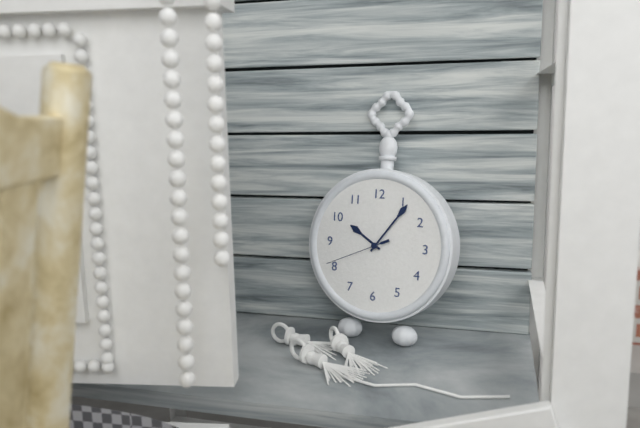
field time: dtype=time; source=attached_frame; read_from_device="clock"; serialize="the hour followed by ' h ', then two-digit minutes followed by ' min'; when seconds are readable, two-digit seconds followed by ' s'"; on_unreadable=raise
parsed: 10 h 06 min 41 s
